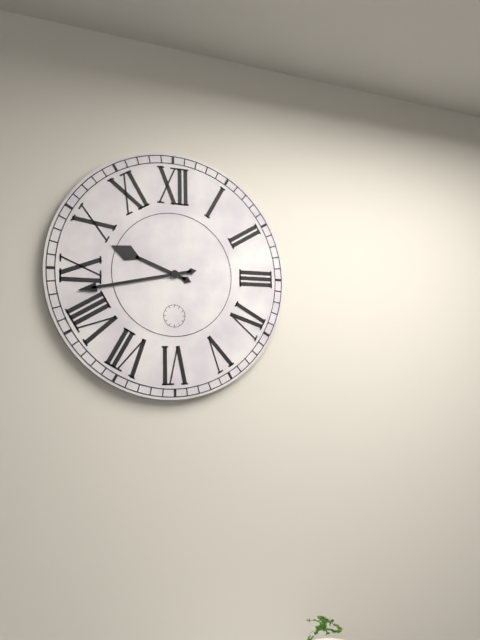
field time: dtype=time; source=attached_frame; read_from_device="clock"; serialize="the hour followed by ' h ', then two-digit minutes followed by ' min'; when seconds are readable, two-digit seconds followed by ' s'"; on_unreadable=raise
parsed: 9 h 43 min
